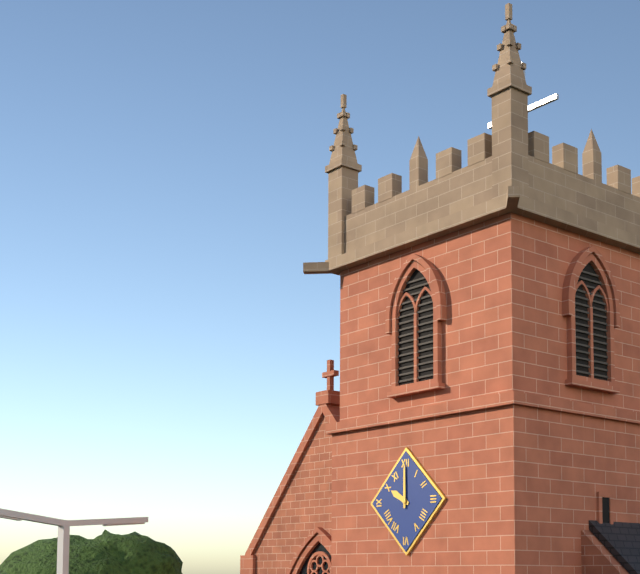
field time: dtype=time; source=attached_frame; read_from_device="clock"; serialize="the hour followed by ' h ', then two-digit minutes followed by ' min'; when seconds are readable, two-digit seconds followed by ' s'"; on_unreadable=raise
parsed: 10 h 00 min
